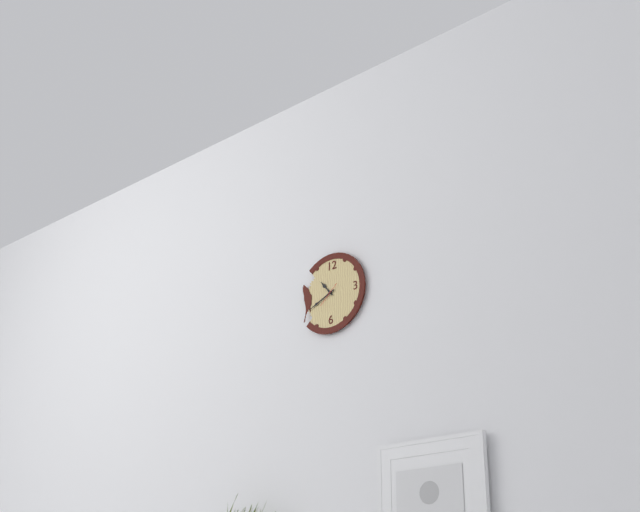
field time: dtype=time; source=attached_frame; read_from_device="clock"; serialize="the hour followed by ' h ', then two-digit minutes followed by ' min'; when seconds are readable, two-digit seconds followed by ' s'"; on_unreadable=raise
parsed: 10 h 41 min
